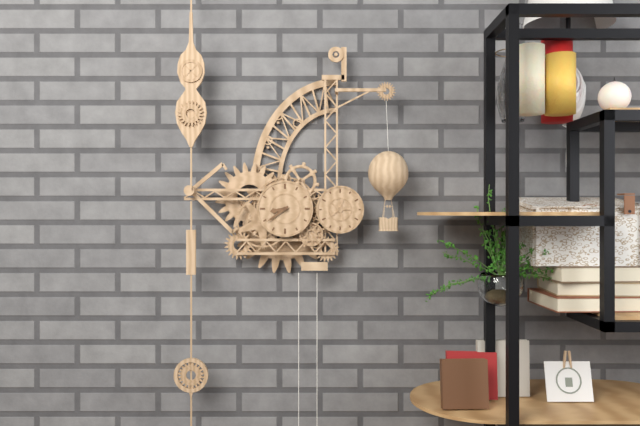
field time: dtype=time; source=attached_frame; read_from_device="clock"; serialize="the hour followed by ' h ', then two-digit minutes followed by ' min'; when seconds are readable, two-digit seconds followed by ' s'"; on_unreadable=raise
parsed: 8 h 39 min
